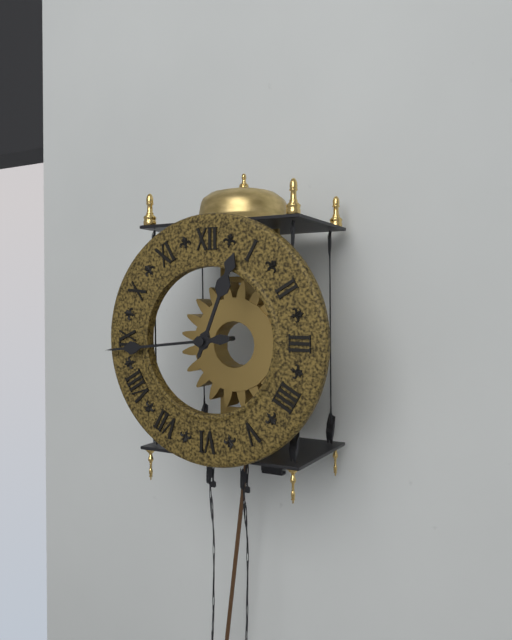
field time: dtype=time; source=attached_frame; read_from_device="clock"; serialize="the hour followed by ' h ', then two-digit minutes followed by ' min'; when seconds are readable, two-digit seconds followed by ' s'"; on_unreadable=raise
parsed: 12 h 44 min
